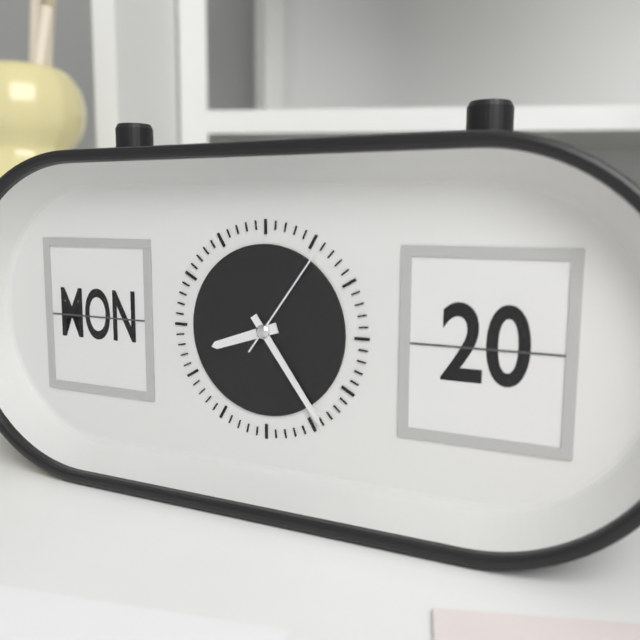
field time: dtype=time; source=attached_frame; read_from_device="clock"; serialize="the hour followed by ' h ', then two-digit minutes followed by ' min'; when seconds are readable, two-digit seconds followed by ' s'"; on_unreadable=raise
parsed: 8 h 24 min 06 s
